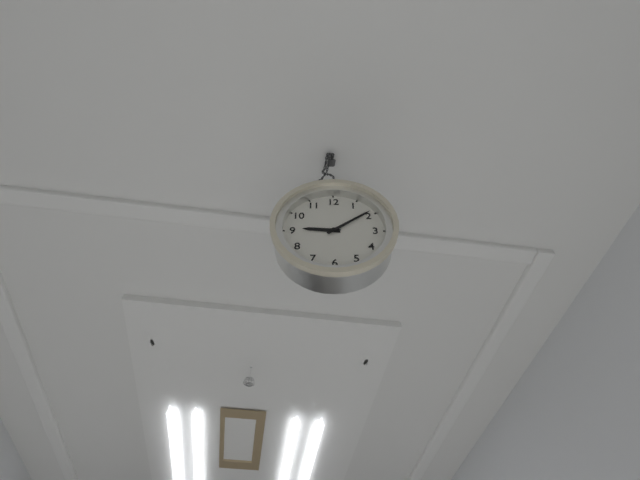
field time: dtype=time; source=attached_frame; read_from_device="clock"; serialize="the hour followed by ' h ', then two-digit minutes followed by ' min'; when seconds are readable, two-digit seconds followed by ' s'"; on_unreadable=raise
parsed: 9 h 09 min
